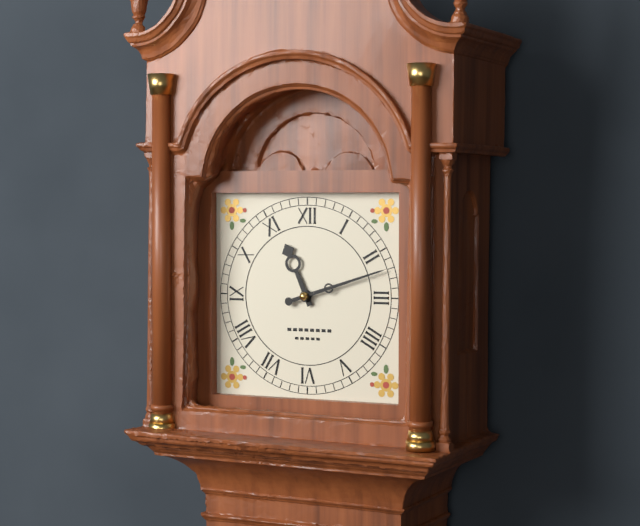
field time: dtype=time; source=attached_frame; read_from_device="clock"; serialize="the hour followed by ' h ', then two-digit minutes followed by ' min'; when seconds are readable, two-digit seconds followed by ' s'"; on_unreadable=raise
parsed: 11 h 12 min
